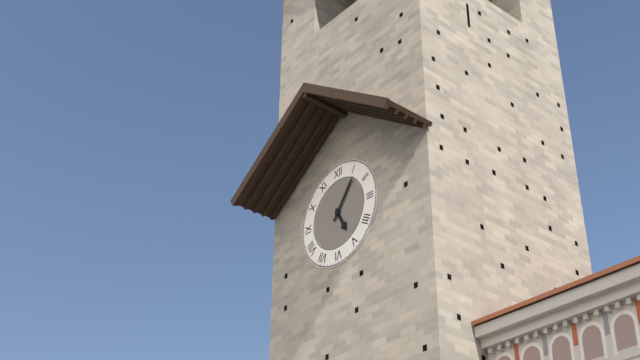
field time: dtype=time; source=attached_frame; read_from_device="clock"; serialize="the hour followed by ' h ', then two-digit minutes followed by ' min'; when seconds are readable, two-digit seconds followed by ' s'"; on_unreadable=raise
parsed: 5 h 06 min
